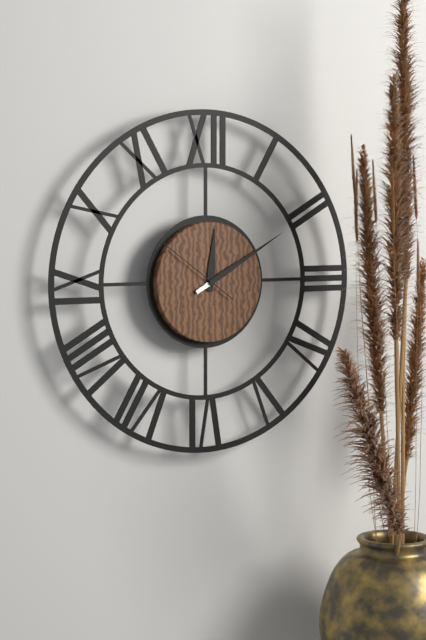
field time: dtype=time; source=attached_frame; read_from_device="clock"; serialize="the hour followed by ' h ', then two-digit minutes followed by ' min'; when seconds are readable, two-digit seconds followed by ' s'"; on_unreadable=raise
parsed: 12 h 10 min 51 s
